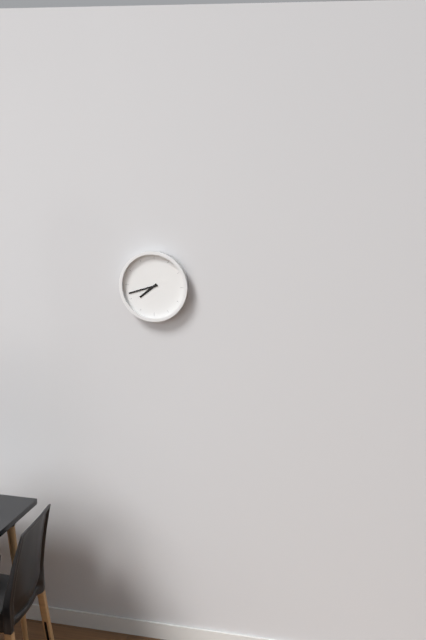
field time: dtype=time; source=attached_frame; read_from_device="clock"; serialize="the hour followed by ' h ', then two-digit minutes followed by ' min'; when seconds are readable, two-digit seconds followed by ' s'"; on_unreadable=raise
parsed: 7 h 42 min
